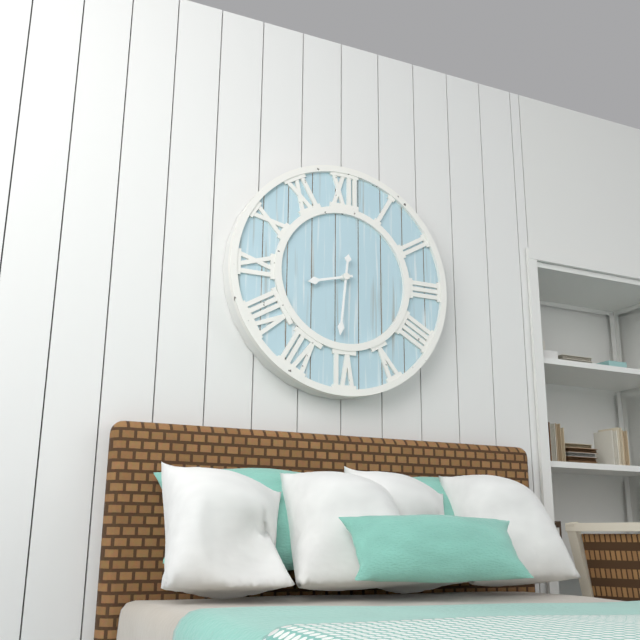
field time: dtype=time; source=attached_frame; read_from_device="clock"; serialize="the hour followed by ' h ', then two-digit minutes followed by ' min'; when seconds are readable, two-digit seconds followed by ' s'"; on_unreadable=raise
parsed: 8 h 31 min
